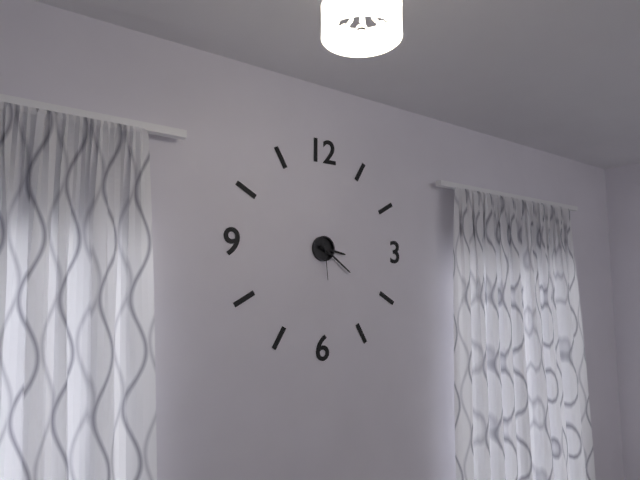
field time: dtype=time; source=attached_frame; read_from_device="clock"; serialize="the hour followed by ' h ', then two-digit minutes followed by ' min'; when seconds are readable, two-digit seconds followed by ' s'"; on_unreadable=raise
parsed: 3 h 21 min
